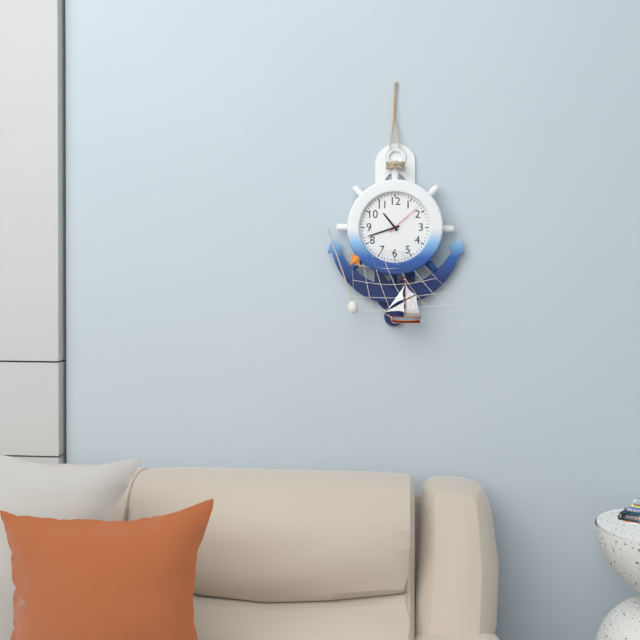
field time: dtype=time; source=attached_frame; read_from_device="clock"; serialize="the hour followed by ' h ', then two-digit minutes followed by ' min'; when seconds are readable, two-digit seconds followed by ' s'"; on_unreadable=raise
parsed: 10 h 42 min
